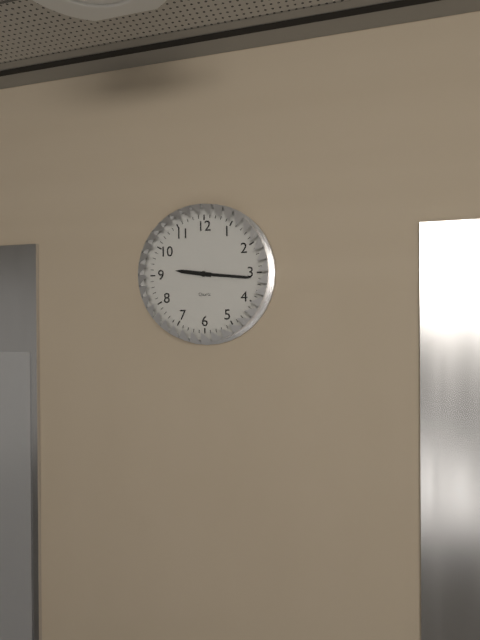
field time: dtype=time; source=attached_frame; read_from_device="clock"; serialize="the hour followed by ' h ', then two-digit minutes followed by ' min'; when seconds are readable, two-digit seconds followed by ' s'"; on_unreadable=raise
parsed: 9 h 16 min
